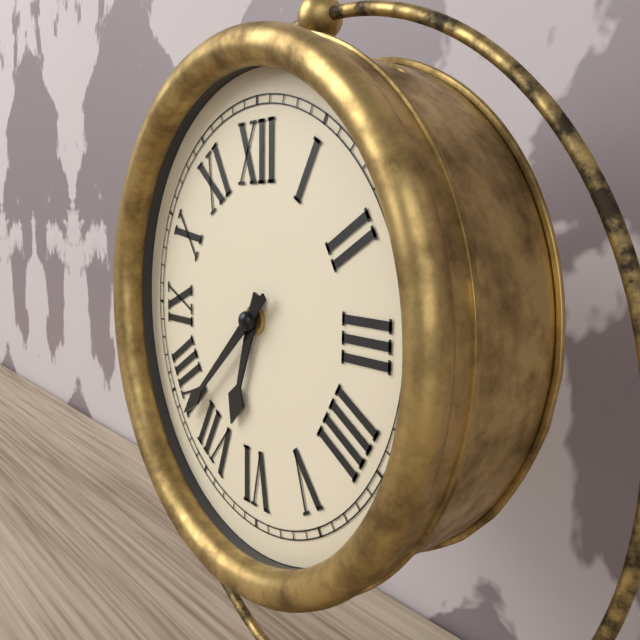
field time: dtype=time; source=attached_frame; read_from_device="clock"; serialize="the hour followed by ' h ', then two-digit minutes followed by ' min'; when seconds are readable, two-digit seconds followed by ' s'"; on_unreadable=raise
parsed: 6 h 38 min
